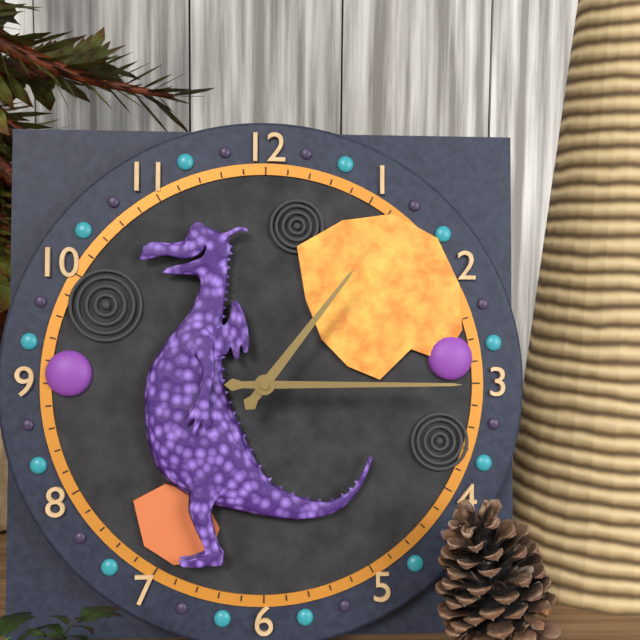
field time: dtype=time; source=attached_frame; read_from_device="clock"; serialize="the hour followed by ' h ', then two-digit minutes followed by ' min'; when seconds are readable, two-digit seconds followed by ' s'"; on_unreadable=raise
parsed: 1 h 15 min
